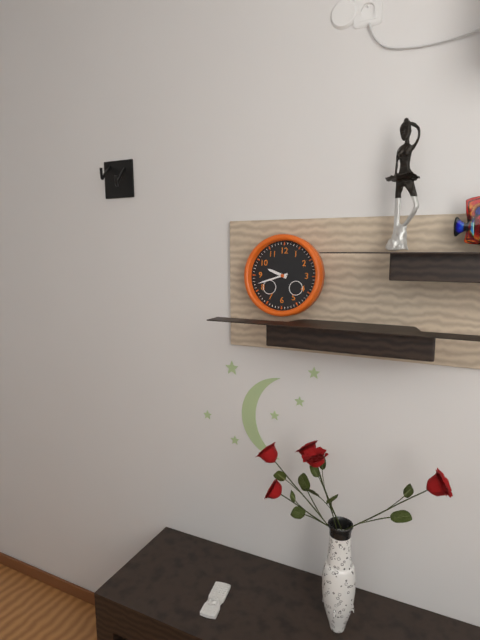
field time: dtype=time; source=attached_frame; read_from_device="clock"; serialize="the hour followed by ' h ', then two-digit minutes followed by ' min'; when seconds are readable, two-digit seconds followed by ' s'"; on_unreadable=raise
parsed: 9 h 42 min
